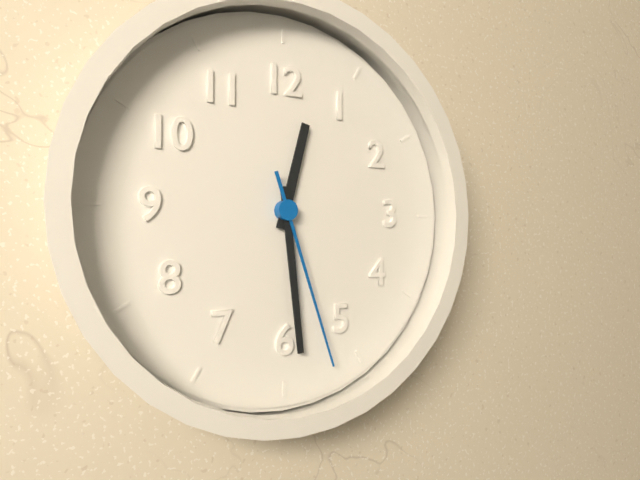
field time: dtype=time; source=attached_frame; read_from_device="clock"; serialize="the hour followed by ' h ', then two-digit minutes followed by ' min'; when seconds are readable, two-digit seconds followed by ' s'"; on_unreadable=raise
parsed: 12 h 29 min 27 s
